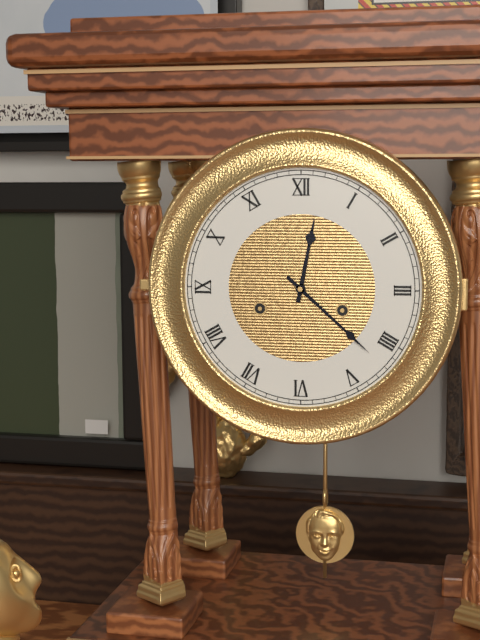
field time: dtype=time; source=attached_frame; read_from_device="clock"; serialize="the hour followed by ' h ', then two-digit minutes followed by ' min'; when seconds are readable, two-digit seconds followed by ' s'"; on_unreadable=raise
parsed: 12 h 22 min
